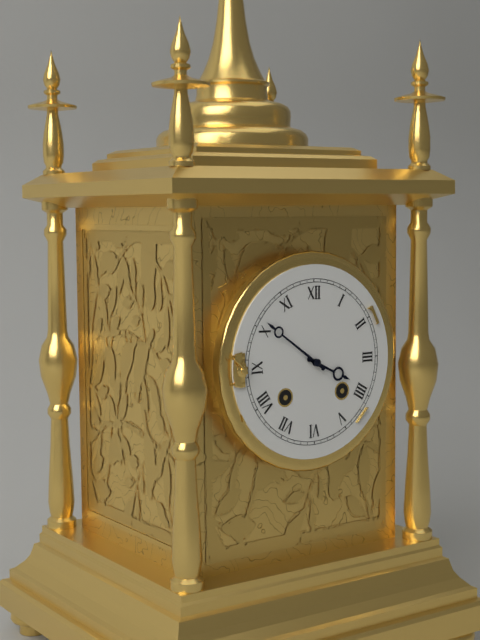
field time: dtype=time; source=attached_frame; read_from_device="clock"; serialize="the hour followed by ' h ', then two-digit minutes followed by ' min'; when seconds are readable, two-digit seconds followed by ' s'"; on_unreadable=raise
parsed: 3 h 51 min
